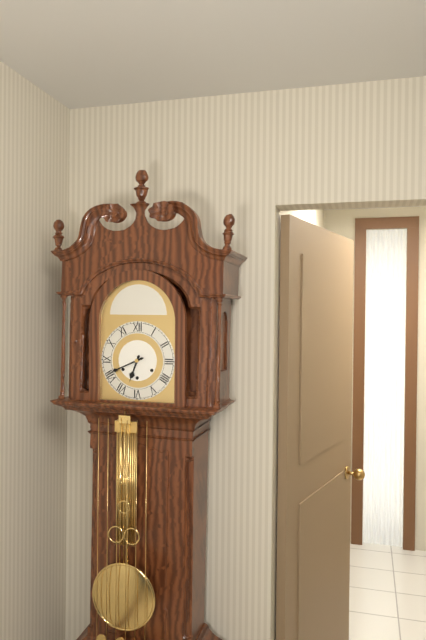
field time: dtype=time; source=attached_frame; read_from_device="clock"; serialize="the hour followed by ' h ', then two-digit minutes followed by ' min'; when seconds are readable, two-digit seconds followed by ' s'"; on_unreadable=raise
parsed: 6 h 41 min
